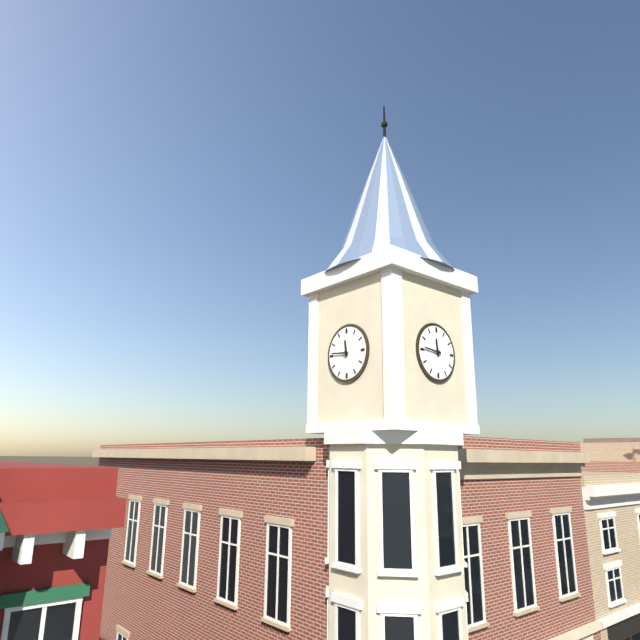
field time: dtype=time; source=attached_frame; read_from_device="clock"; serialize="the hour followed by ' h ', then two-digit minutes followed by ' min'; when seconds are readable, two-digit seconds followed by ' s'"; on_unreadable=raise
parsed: 11 h 46 min
